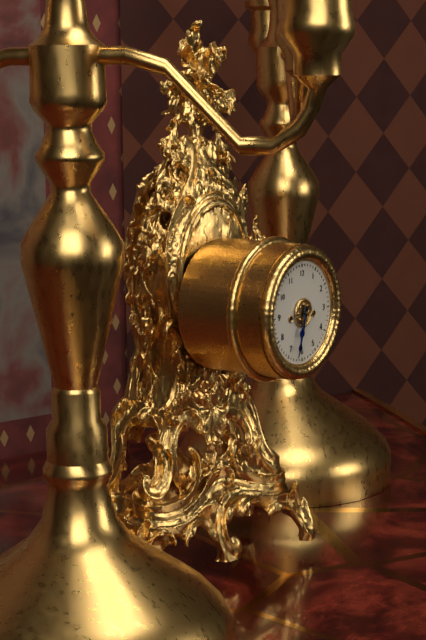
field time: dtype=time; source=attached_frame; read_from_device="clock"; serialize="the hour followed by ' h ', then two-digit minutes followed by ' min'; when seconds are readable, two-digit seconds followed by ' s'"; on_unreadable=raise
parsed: 6 h 33 min
